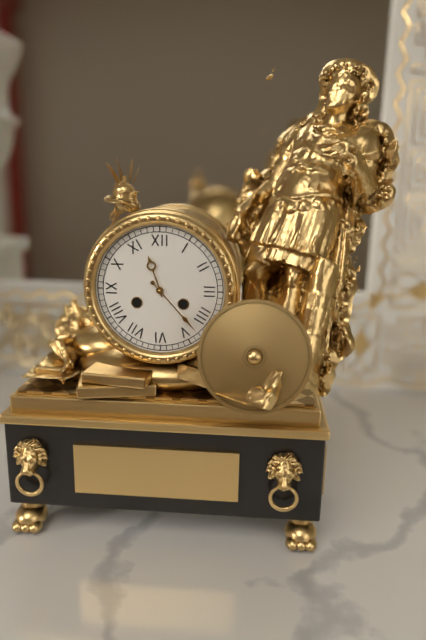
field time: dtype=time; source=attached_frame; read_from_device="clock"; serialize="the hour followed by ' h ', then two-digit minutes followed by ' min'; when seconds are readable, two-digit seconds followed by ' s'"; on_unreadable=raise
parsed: 11 h 23 min
